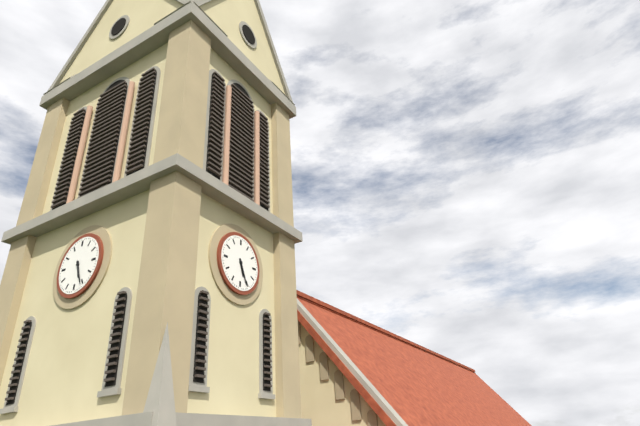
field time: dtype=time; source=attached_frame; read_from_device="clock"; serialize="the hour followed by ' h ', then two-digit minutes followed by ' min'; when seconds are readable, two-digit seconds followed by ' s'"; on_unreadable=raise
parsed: 5 h 26 min
